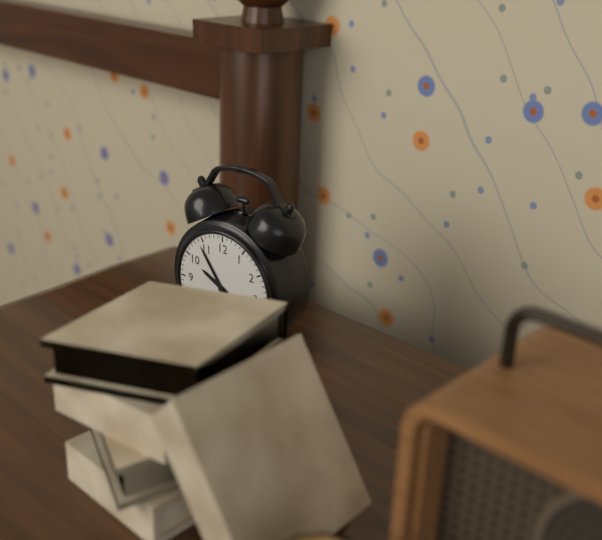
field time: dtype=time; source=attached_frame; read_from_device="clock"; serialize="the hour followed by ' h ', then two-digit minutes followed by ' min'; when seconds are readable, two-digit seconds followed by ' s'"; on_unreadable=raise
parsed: 9 h 54 min
